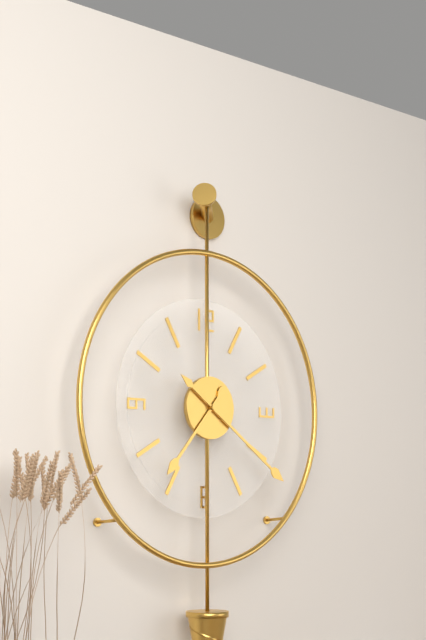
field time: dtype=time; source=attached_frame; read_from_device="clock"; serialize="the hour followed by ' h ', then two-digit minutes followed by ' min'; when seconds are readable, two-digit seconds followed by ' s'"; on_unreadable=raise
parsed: 7 h 21 min
